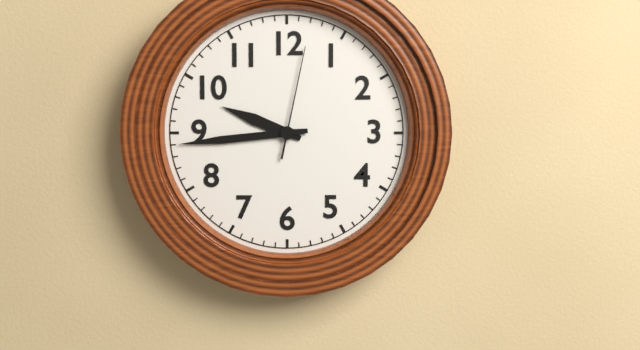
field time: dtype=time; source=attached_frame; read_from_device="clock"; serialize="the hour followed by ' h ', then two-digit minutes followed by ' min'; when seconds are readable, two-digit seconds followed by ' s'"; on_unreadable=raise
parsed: 9 h 44 min 02 s
